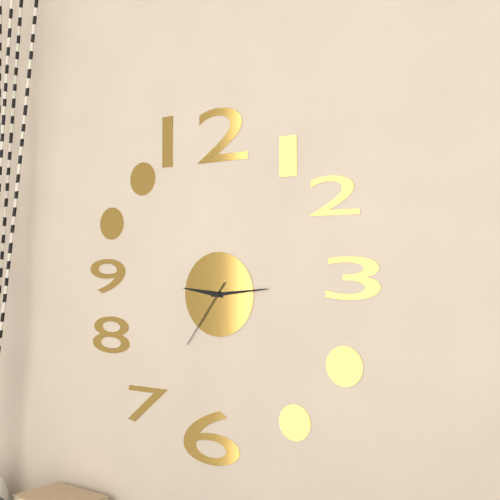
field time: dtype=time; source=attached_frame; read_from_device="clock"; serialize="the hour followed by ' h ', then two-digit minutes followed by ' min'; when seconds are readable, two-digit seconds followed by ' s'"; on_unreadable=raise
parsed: 9 h 14 min 36 s
